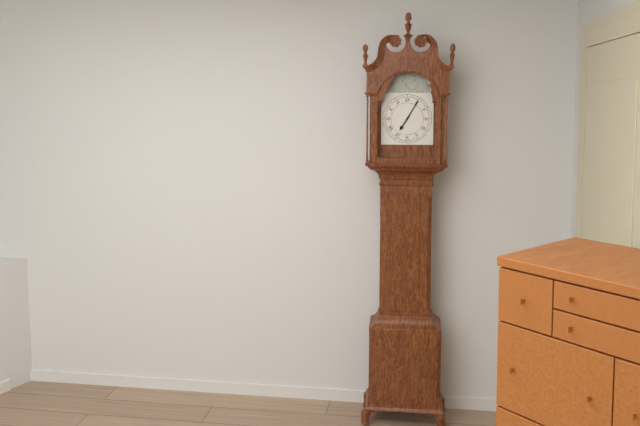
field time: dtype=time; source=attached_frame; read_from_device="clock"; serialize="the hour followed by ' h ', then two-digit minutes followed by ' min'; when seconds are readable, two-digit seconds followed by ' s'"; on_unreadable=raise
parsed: 7 h 05 min
